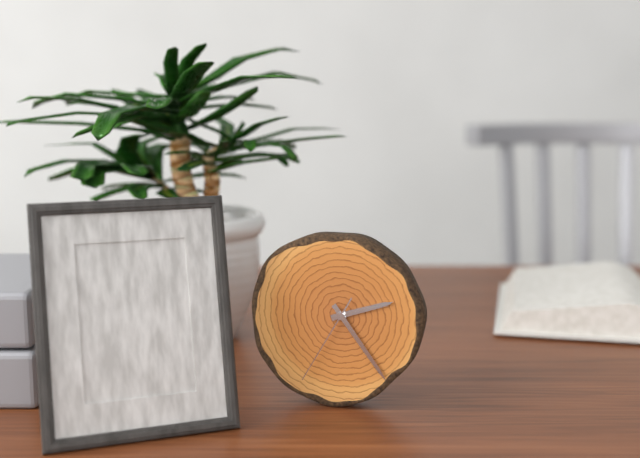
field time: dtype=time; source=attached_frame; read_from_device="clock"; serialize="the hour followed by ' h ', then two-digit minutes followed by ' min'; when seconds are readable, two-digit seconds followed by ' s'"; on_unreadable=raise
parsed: 2 h 24 min 35 s
